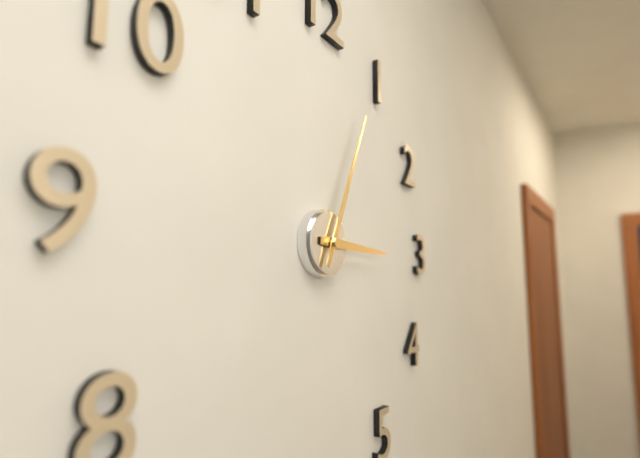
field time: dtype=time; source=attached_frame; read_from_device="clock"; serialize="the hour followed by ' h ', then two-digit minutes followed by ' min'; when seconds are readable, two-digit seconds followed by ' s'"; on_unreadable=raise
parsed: 3 h 04 min
